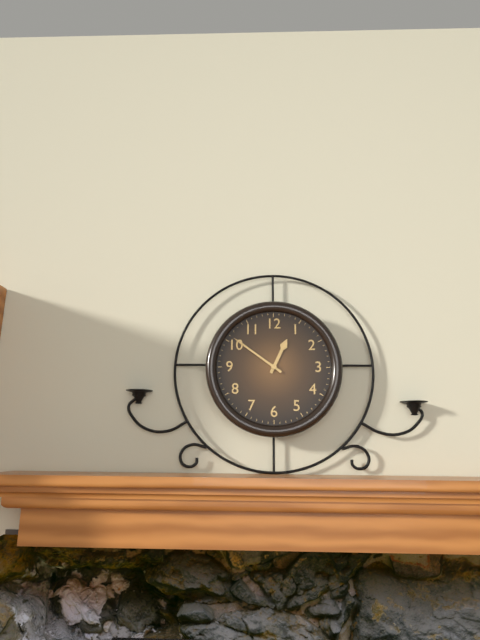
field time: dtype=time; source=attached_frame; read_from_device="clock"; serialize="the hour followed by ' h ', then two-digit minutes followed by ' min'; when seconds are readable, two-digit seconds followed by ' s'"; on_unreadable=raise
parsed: 12 h 51 min
